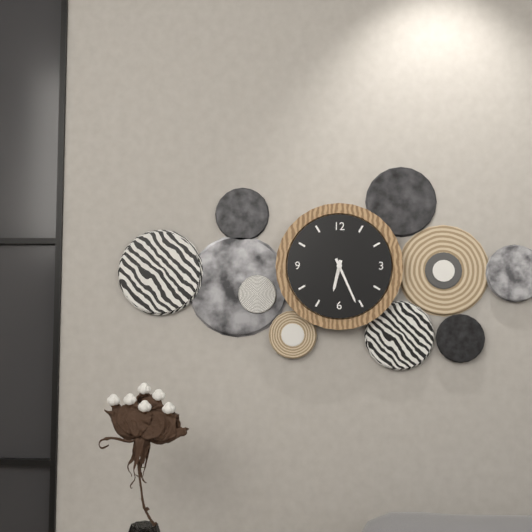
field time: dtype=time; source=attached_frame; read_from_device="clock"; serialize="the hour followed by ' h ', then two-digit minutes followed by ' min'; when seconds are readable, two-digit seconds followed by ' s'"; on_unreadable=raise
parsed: 6 h 26 min
